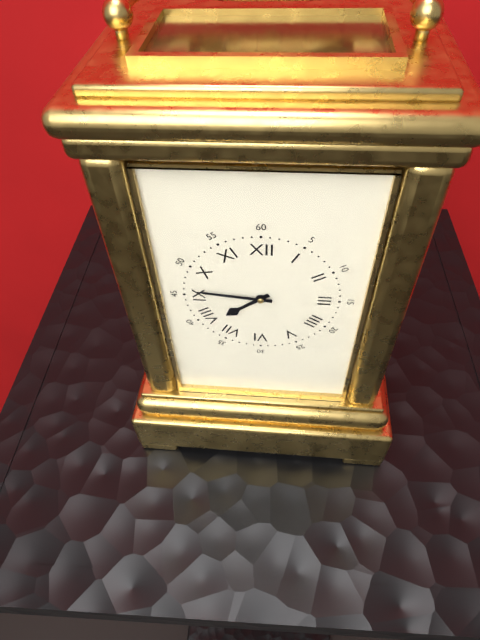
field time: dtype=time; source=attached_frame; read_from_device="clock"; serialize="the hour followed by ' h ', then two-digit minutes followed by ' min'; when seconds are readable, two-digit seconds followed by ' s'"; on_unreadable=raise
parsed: 7 h 46 min
